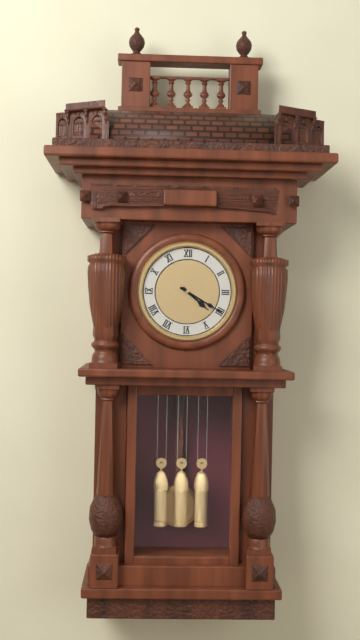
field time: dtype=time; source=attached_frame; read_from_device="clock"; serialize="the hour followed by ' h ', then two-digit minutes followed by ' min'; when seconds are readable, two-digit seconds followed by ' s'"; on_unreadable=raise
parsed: 4 h 20 min
